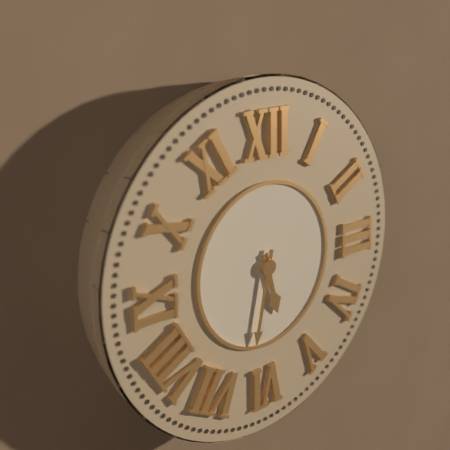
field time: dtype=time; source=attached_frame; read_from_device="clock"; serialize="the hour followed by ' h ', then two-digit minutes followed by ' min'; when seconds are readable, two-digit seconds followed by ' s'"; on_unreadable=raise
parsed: 5 h 32 min
